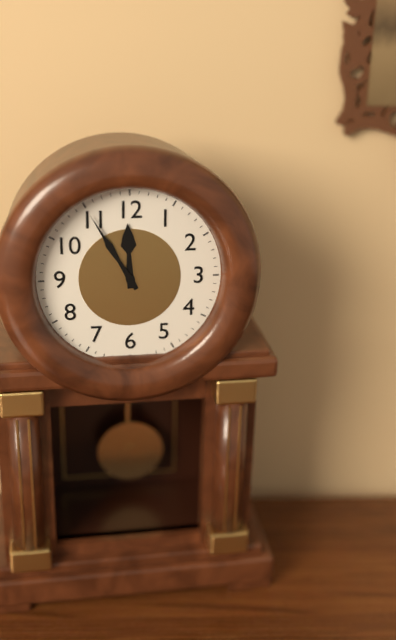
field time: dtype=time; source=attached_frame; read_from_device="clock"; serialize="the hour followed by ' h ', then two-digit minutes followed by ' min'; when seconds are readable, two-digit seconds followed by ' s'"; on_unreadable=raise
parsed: 11 h 55 min
